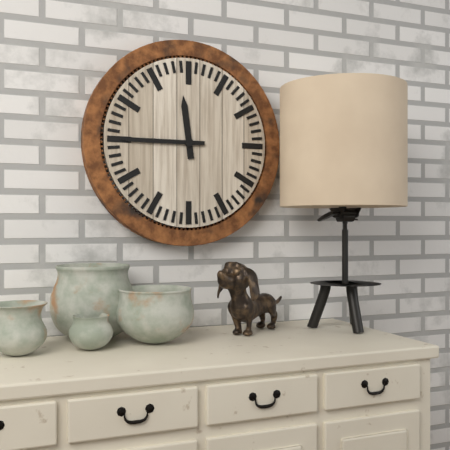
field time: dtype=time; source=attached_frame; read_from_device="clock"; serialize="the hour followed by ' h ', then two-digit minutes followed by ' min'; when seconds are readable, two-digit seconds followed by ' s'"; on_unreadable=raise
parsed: 11 h 45 min
